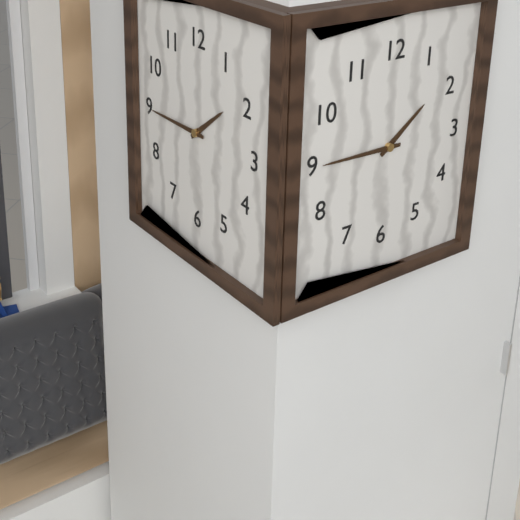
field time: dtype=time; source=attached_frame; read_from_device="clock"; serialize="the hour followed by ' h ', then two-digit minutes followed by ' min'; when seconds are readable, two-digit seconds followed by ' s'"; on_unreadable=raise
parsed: 1 h 45 min
